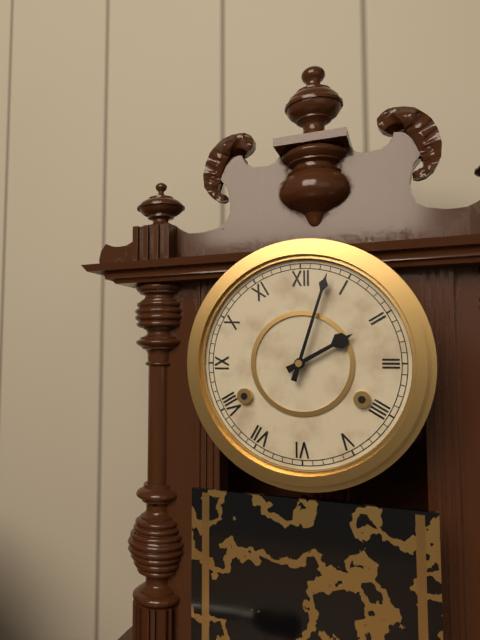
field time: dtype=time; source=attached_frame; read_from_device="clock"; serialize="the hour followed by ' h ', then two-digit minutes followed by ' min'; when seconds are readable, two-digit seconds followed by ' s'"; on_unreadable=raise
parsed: 2 h 03 min
